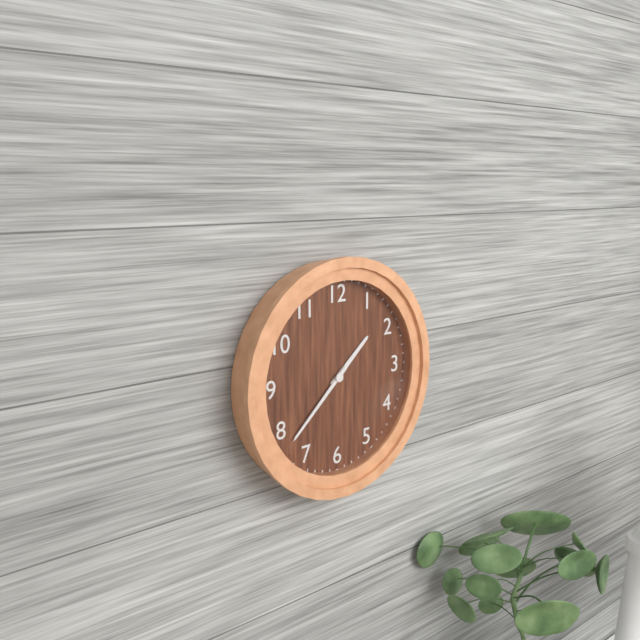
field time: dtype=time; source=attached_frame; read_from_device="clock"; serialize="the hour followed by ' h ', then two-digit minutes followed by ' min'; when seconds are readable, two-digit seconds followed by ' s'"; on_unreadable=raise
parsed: 1 h 38 min
